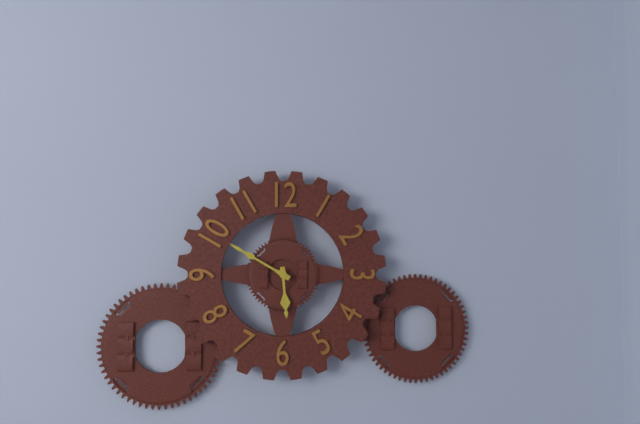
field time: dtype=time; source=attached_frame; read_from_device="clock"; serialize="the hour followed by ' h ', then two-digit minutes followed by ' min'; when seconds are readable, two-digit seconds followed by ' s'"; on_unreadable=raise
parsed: 5 h 50 min
